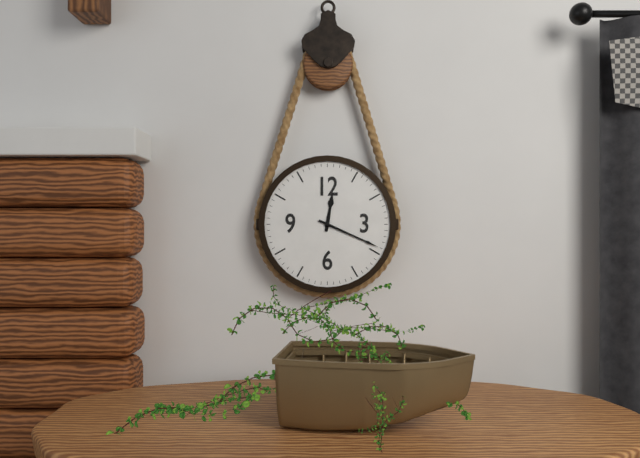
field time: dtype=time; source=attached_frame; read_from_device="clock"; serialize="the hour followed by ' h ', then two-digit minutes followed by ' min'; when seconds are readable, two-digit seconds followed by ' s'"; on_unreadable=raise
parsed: 12 h 19 min
